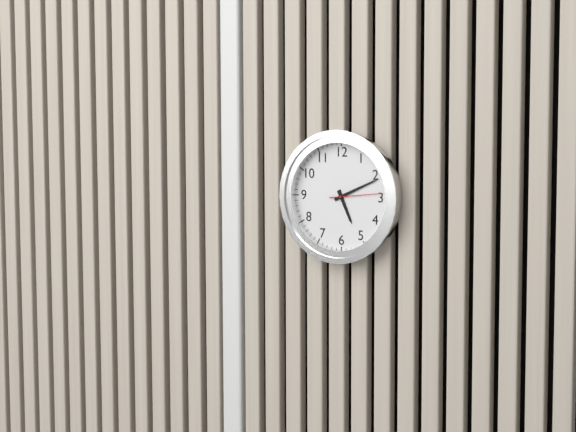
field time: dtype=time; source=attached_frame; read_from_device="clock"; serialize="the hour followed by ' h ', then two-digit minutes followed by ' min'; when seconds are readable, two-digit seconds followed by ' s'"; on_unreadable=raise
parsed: 5 h 11 min 14 s
